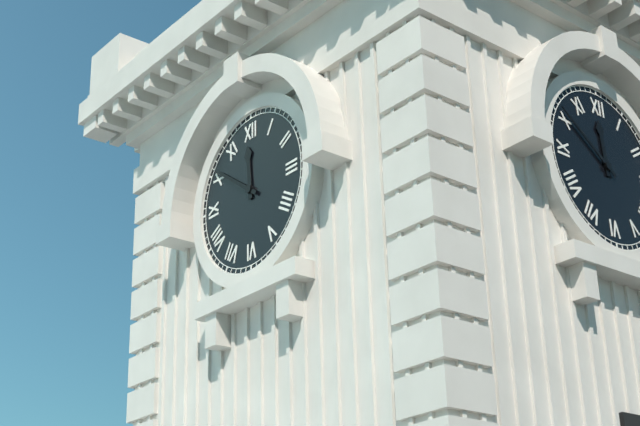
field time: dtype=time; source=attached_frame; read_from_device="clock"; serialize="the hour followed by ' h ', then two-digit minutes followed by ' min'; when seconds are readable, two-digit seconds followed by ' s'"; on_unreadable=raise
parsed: 11 h 51 min
